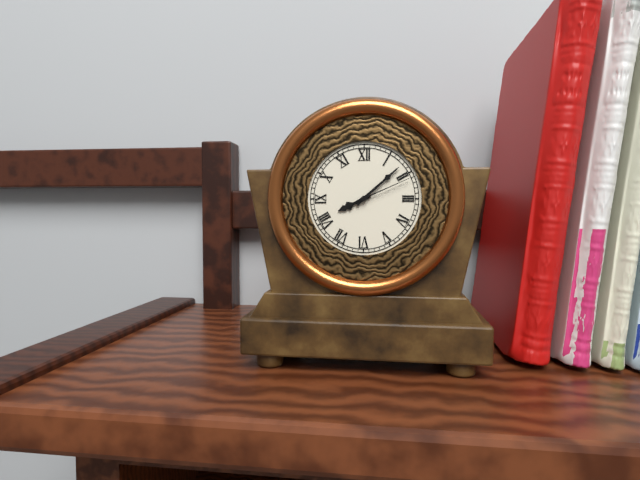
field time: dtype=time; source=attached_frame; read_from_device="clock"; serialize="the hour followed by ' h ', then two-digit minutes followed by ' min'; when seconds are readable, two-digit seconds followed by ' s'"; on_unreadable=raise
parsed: 8 h 08 min 11 s
